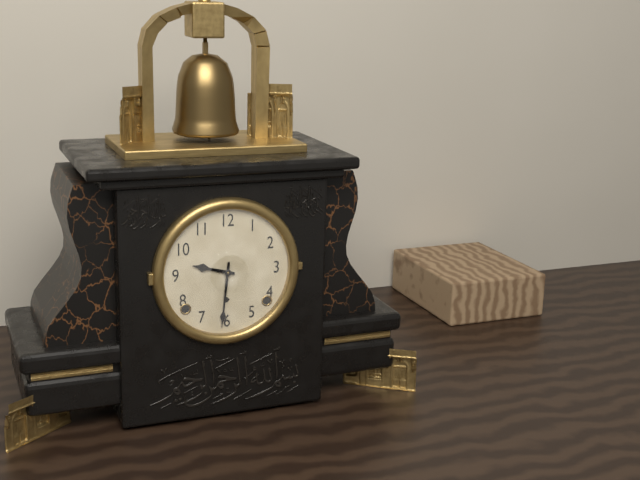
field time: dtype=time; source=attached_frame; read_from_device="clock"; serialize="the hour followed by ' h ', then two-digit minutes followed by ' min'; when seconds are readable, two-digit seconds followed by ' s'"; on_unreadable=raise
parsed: 9 h 31 min
